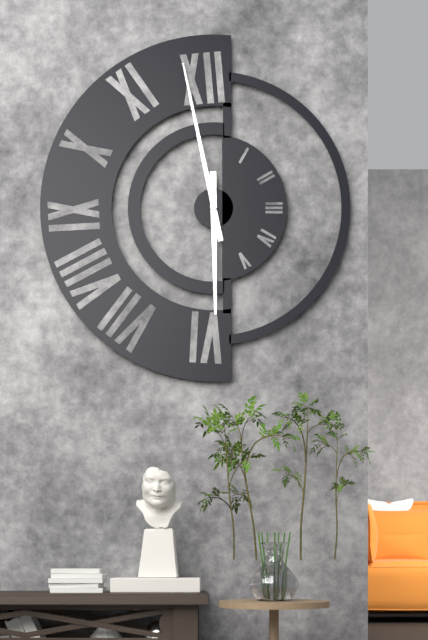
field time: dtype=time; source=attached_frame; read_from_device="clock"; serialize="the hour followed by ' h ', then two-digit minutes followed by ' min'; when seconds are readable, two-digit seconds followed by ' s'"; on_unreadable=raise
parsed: 5 h 58 min
